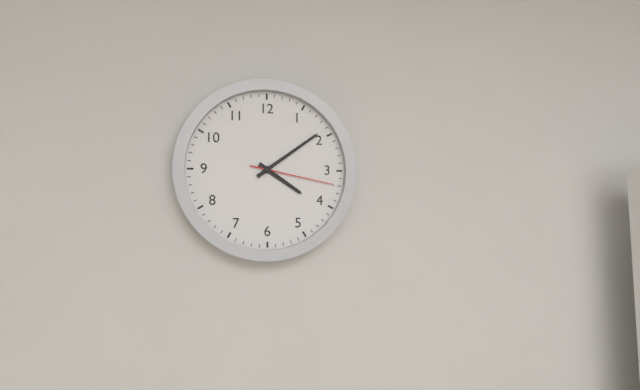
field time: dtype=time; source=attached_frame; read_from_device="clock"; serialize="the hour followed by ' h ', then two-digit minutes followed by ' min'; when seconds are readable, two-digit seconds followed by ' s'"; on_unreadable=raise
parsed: 4 h 09 min 17 s
